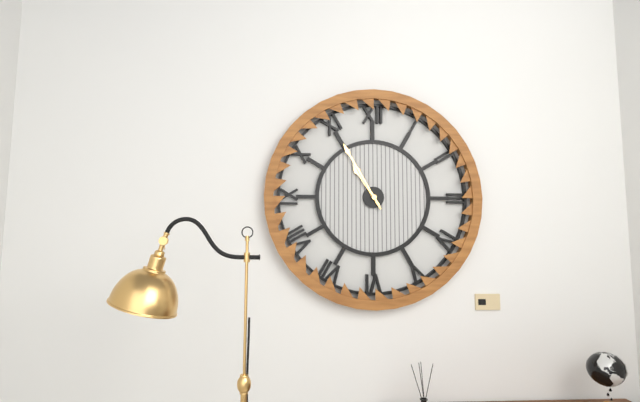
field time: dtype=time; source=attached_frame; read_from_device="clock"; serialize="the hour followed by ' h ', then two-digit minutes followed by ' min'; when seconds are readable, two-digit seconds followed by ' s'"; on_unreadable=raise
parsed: 10 h 55 min
